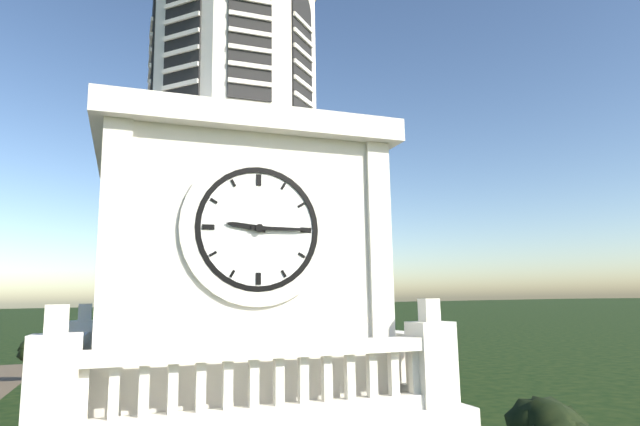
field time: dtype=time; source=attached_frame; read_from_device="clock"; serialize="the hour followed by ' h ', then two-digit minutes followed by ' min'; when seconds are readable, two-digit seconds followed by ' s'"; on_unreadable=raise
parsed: 9 h 15 min
